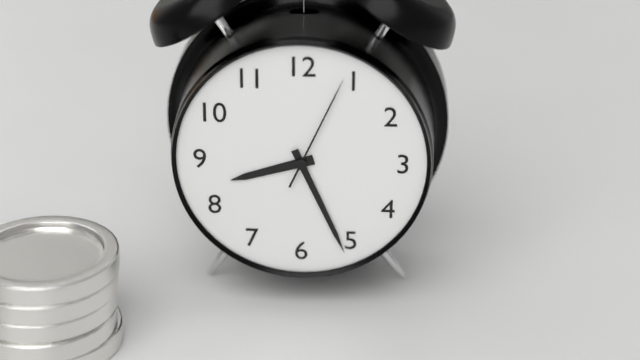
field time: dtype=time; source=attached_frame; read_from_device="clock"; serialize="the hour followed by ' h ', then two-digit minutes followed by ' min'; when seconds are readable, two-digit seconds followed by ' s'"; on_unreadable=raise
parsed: 8 h 26 min 04 s
